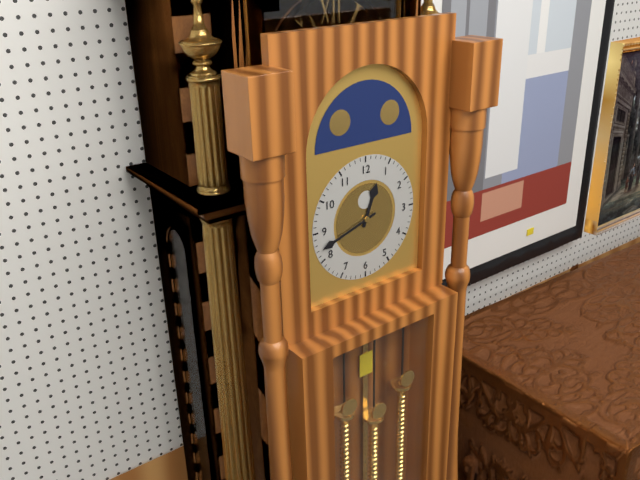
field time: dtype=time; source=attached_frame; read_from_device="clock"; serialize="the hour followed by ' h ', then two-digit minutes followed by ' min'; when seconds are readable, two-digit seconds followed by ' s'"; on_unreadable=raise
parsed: 12 h 42 min
